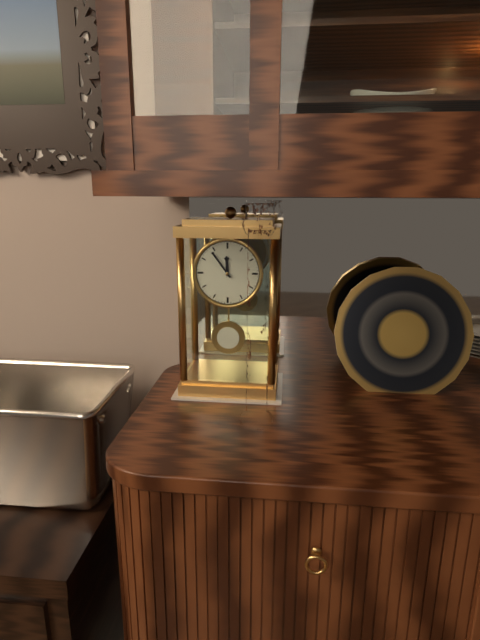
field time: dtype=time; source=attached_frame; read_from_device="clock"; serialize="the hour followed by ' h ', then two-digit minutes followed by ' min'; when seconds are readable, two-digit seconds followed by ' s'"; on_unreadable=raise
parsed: 11 h 54 min
